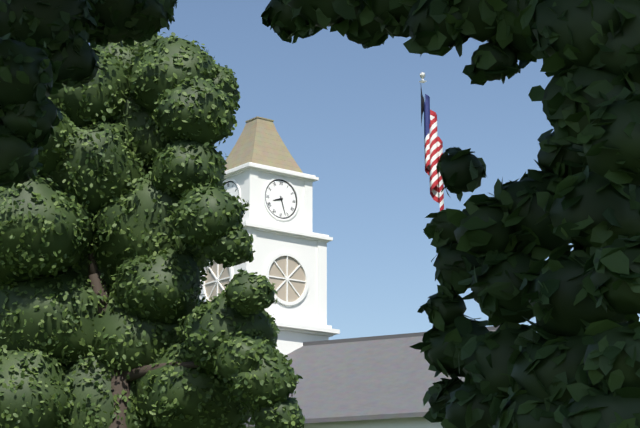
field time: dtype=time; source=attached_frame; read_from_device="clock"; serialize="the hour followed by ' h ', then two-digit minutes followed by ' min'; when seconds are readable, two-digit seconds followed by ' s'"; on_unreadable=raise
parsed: 8 h 27 min
